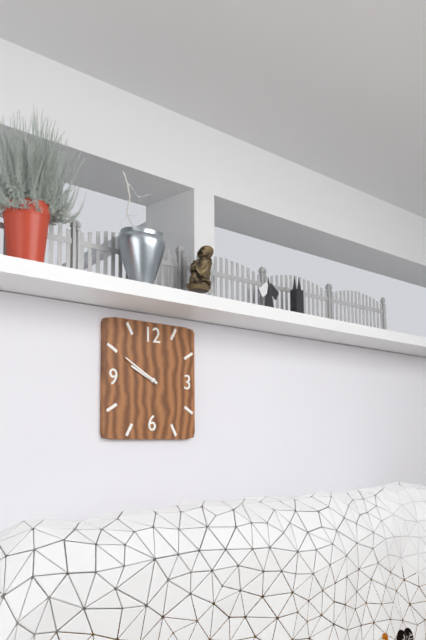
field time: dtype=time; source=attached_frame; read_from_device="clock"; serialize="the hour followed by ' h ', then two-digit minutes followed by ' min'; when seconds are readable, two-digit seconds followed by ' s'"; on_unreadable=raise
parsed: 9 h 50 min
